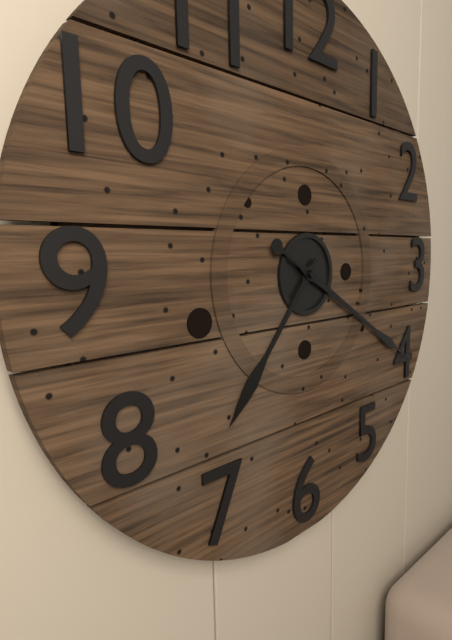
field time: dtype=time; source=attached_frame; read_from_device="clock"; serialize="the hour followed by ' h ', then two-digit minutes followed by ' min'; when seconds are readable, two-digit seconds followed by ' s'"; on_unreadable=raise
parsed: 7 h 20 min
